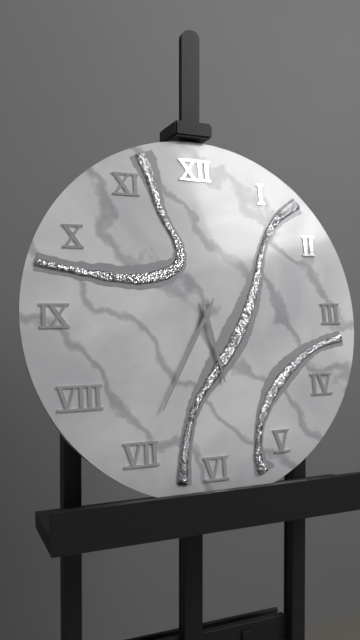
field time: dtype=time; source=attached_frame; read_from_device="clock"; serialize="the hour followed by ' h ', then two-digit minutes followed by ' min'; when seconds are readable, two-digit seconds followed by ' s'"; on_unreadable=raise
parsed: 5 h 35 min
